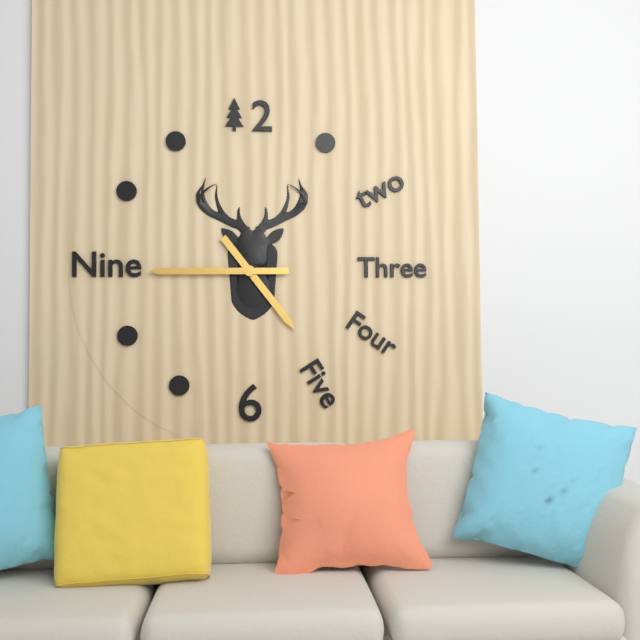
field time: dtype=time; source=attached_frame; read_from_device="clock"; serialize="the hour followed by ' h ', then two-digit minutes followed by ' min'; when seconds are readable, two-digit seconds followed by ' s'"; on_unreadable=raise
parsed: 4 h 45 min
